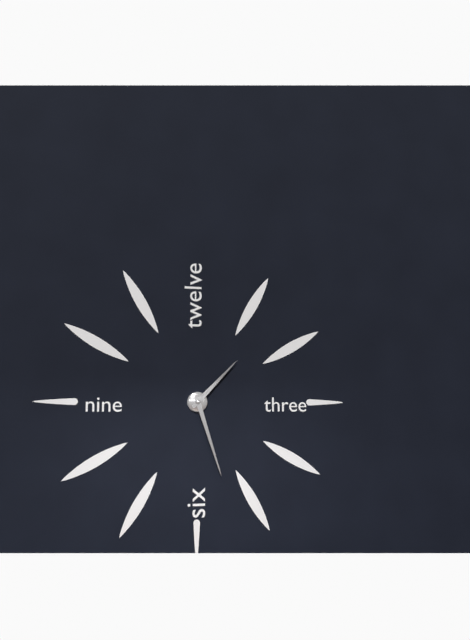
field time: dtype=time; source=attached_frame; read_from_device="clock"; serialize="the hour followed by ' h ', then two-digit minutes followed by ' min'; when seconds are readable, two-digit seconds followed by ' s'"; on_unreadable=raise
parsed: 1 h 27 min
